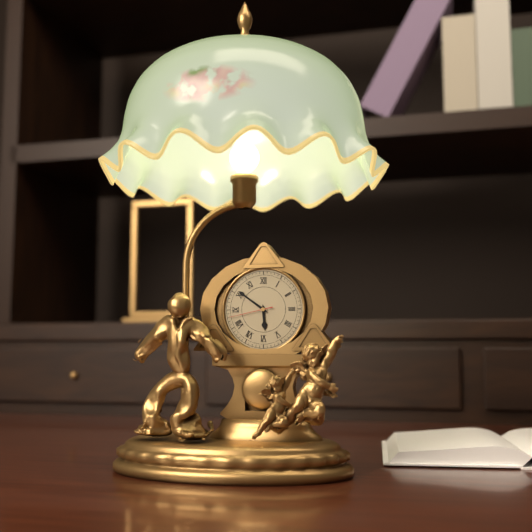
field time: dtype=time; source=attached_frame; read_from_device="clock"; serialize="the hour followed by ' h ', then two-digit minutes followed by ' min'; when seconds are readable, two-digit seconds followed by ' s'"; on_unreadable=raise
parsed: 5 h 51 min
